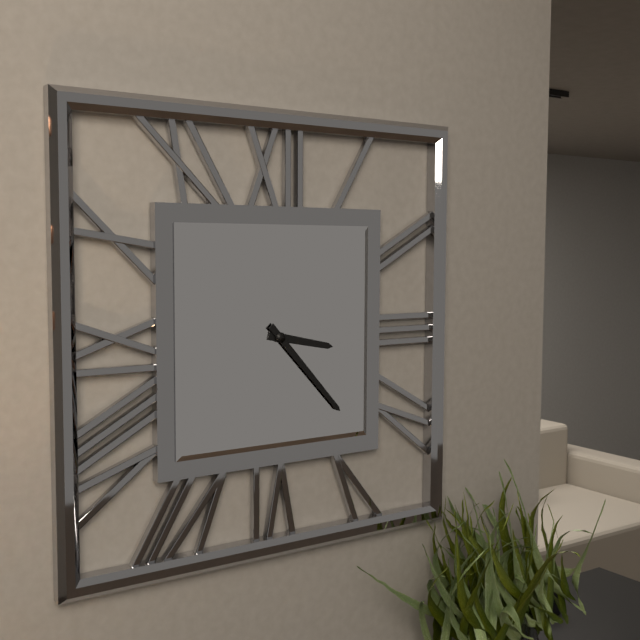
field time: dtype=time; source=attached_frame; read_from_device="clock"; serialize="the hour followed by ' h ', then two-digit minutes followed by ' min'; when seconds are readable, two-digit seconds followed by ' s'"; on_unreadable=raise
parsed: 3 h 23 min
